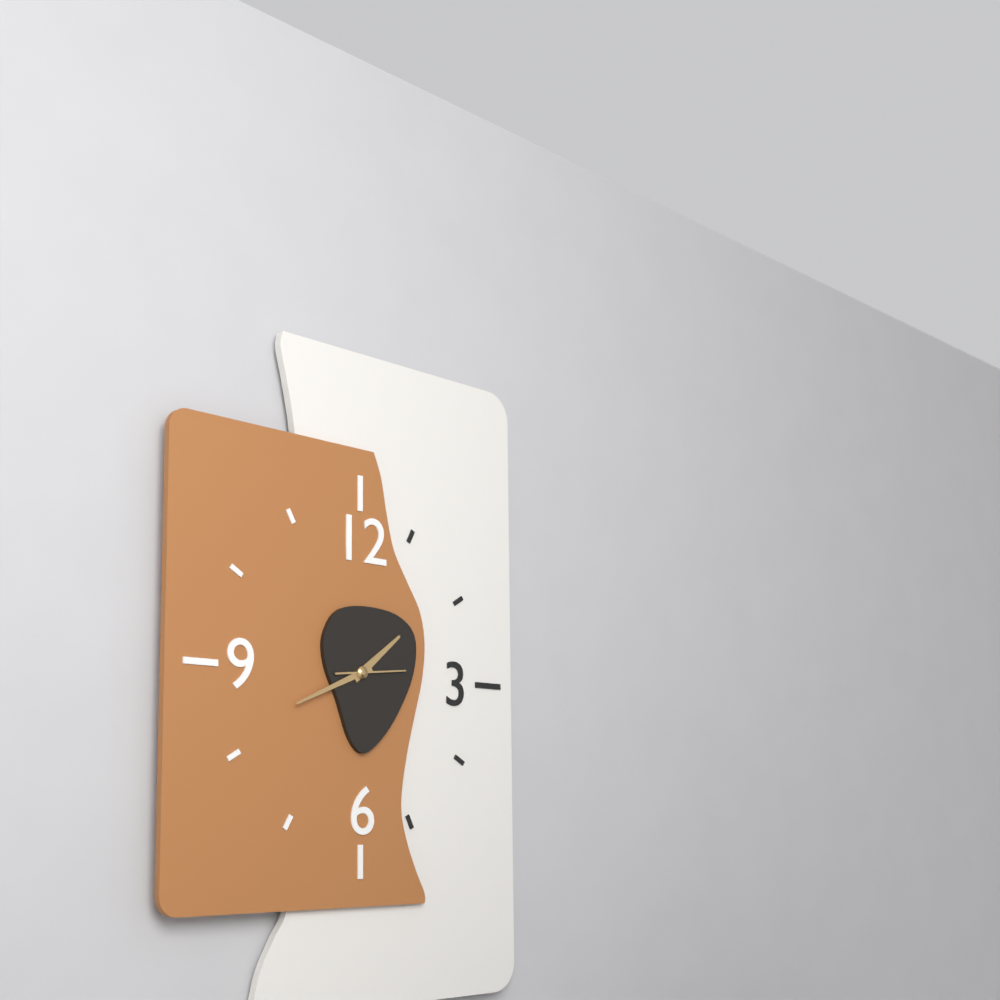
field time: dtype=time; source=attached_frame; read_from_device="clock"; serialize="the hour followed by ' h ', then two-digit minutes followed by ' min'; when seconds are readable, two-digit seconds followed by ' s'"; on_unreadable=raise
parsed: 1 h 41 min 14 s
